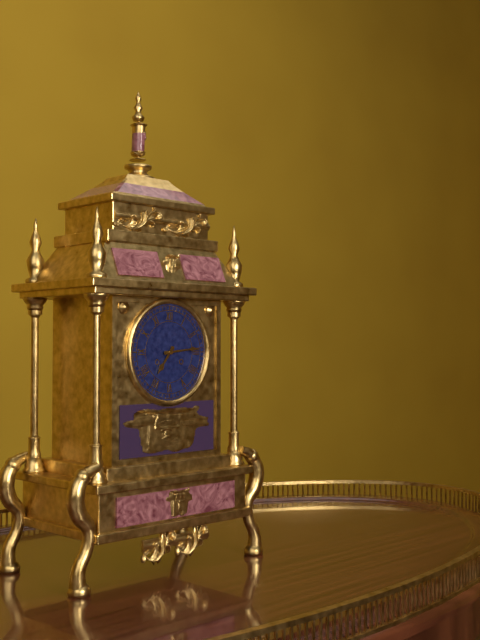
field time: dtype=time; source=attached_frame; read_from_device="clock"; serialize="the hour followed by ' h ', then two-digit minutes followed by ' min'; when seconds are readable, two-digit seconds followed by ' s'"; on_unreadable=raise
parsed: 7 h 14 min
